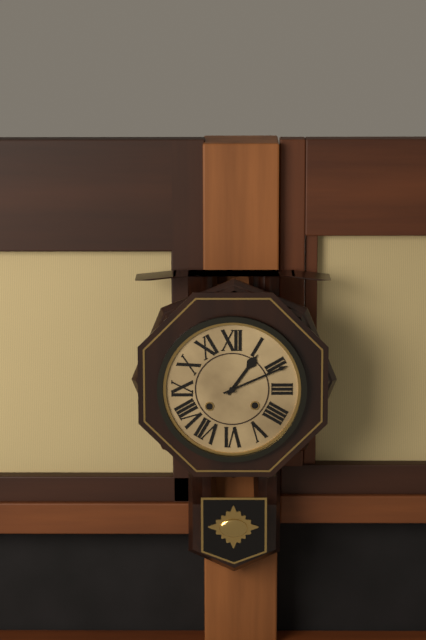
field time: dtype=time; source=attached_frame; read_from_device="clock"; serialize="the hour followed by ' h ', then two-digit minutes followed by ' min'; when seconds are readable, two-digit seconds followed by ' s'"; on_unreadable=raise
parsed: 1 h 11 min
